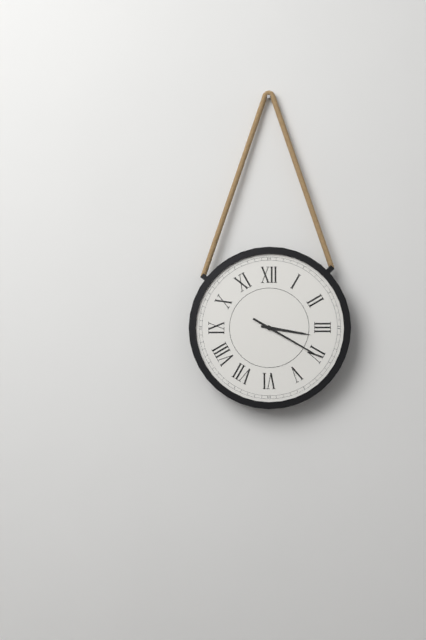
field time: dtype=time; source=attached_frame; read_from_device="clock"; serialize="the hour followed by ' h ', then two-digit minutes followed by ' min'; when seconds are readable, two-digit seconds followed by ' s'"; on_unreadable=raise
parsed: 3 h 20 min
